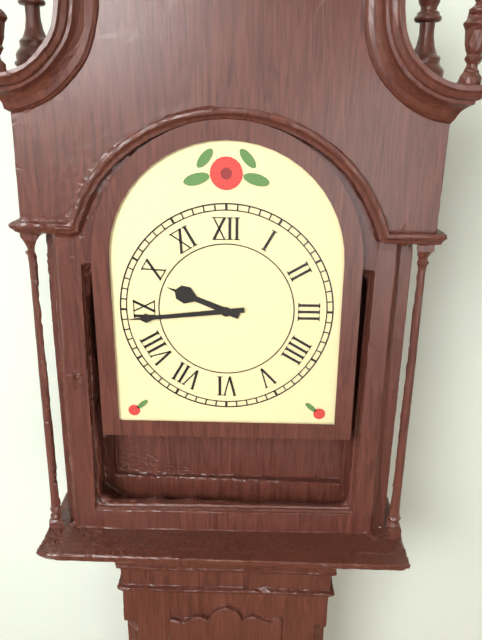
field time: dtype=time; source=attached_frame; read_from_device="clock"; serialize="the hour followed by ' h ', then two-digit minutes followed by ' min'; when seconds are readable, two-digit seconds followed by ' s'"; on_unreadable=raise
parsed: 9 h 44 min
